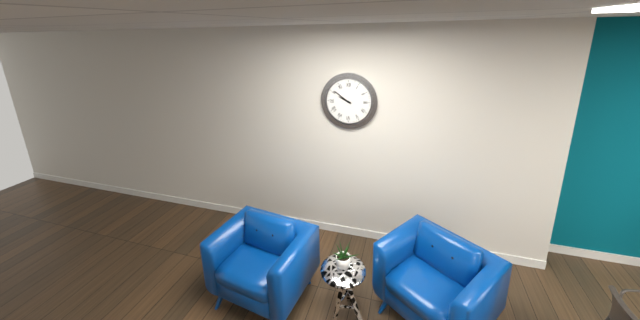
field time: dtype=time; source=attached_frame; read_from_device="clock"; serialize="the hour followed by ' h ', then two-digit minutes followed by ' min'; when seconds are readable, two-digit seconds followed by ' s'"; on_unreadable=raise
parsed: 9 h 51 min
